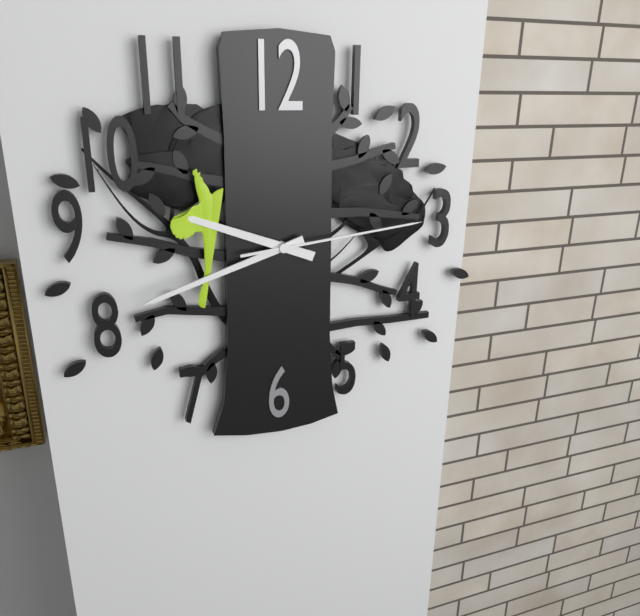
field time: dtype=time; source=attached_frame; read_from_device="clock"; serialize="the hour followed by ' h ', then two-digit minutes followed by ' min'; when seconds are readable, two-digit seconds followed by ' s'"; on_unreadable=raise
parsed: 9 h 42 min 14 s
